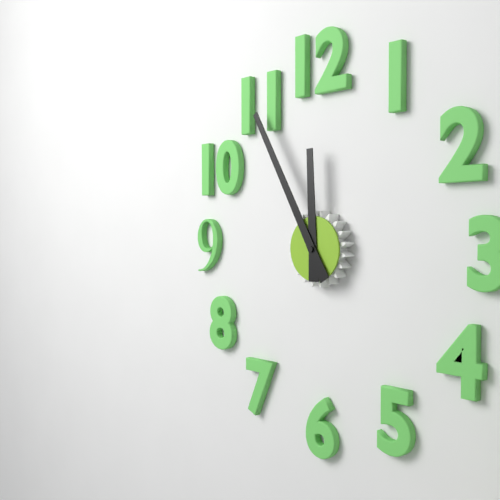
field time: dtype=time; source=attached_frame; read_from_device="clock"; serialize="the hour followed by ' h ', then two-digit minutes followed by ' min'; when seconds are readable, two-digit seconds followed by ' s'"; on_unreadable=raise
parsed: 11 h 55 min
